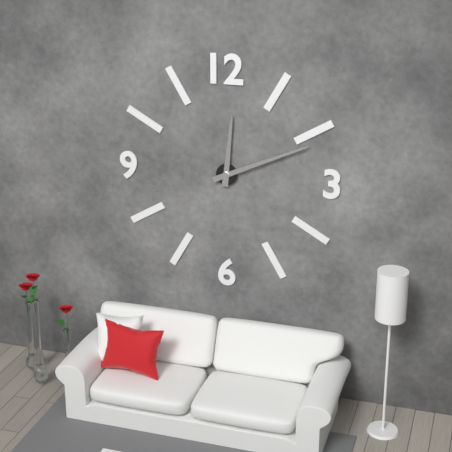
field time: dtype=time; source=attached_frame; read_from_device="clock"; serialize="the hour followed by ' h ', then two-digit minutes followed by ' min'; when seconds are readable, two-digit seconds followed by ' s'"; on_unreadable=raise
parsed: 12 h 11 min
